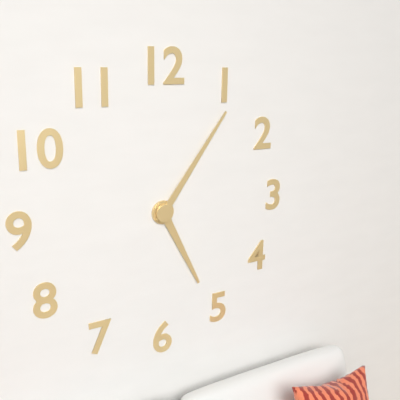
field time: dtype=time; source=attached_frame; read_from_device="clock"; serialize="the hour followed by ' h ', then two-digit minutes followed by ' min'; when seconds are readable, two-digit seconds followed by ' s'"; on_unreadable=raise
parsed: 5 h 06 min
